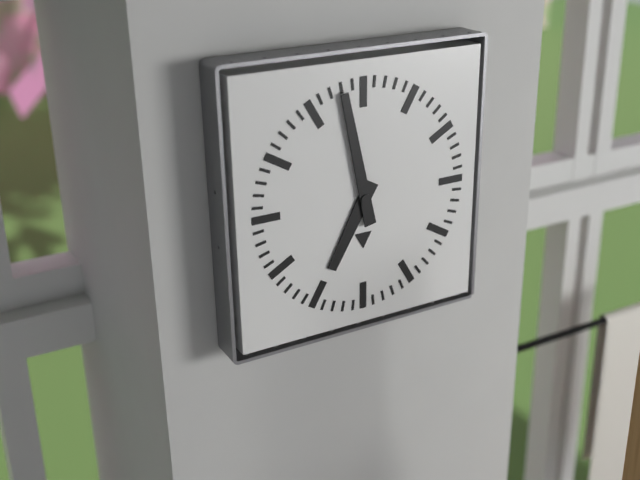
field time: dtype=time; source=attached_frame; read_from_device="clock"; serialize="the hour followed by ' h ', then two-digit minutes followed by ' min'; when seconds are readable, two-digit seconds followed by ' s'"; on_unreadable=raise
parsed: 6 h 58 min
